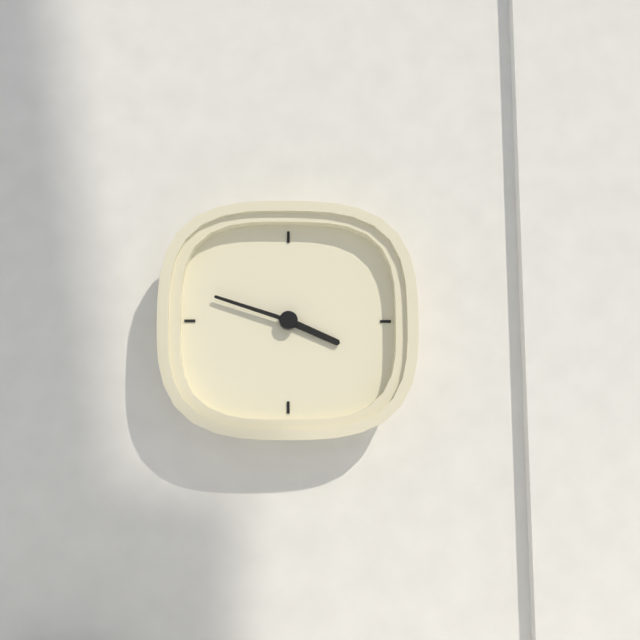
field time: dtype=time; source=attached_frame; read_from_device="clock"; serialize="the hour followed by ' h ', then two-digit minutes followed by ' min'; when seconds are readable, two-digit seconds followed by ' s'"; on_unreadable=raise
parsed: 3 h 48 min
